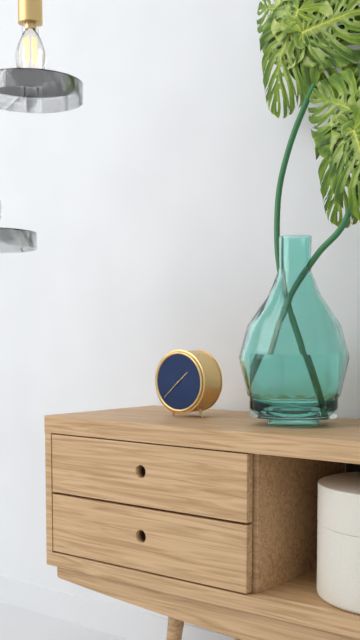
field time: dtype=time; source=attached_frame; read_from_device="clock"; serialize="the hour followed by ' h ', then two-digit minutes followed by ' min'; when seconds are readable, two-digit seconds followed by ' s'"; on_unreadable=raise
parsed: 1 h 38 min
